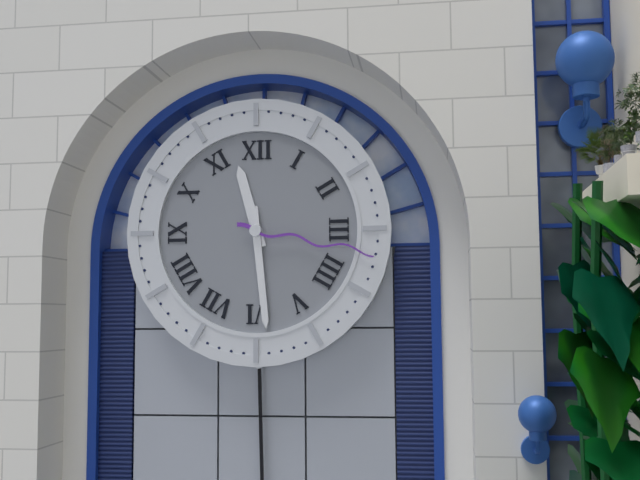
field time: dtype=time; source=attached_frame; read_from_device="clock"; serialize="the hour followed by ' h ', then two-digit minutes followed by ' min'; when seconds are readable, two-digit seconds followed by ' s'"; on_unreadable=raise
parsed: 11 h 29 min 17 s
